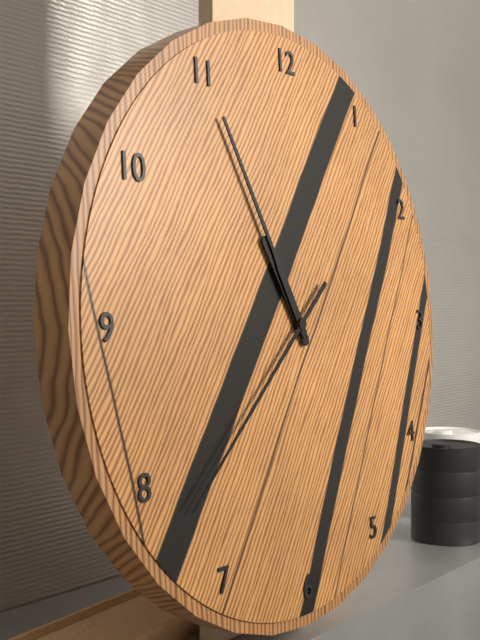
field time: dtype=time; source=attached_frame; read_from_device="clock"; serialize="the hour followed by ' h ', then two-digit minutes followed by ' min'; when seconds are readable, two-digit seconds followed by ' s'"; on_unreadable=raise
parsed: 10 h 55 min 38 s
